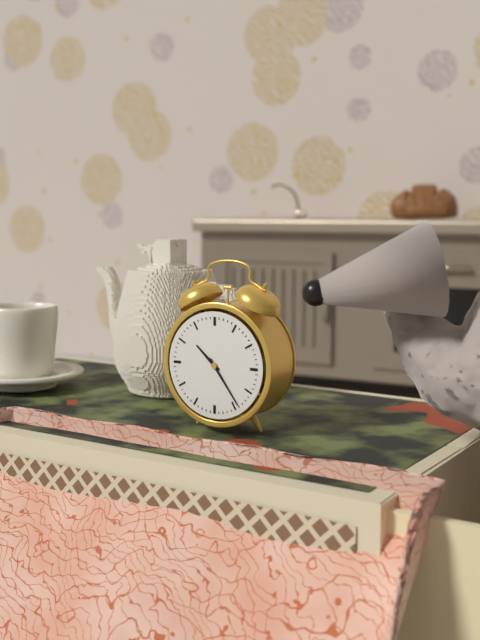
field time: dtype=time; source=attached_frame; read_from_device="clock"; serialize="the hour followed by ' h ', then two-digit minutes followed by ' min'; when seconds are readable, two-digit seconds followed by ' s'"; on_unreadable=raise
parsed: 10 h 24 min
